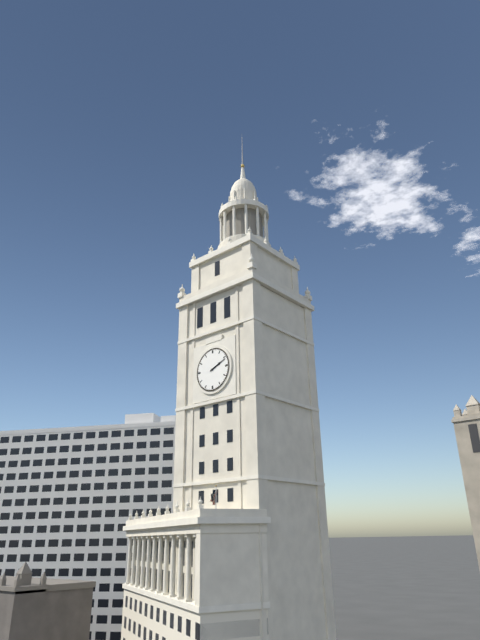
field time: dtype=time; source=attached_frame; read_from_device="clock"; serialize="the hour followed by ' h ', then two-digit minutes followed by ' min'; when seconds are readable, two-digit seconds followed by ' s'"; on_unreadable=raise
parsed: 2 h 11 min
